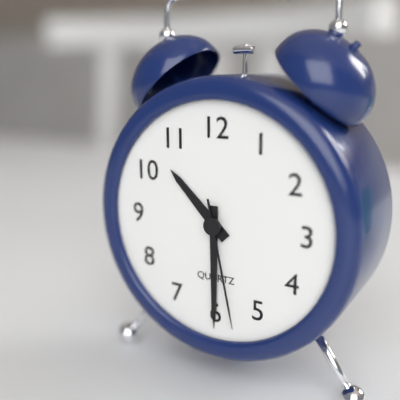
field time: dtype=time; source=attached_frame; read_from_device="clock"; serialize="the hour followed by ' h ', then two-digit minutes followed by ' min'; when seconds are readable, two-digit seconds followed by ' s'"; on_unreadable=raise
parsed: 10 h 30 min 28 s
